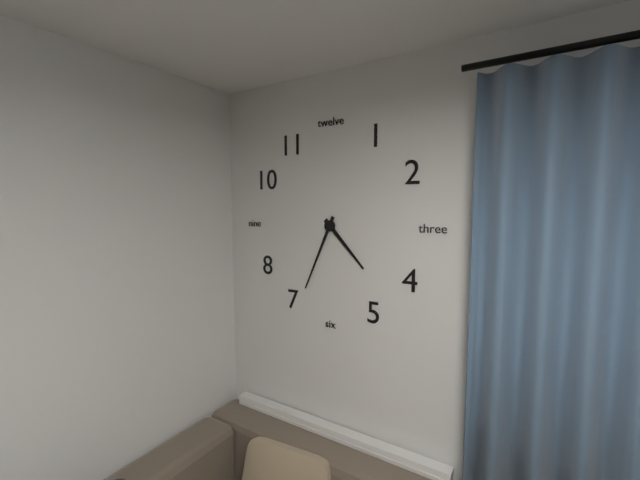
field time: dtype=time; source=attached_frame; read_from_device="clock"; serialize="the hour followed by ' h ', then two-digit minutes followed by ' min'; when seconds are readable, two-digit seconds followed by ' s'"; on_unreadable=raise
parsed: 4 h 34 min
